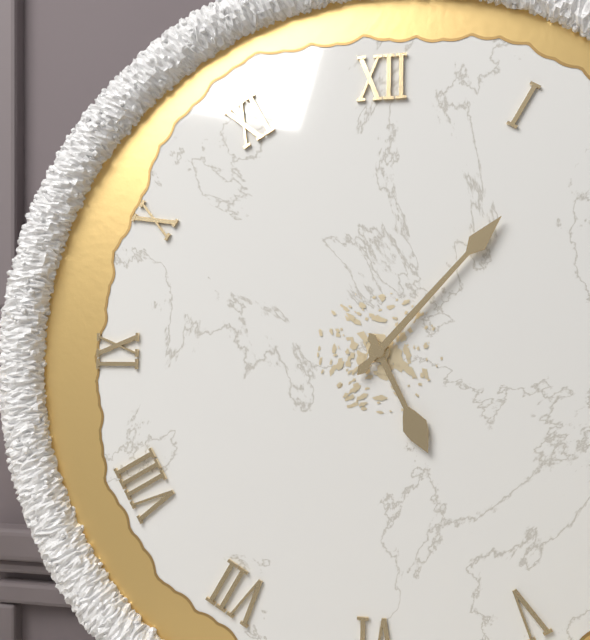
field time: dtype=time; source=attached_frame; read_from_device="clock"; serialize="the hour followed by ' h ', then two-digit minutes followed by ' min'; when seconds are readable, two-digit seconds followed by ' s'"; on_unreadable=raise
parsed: 5 h 07 min
